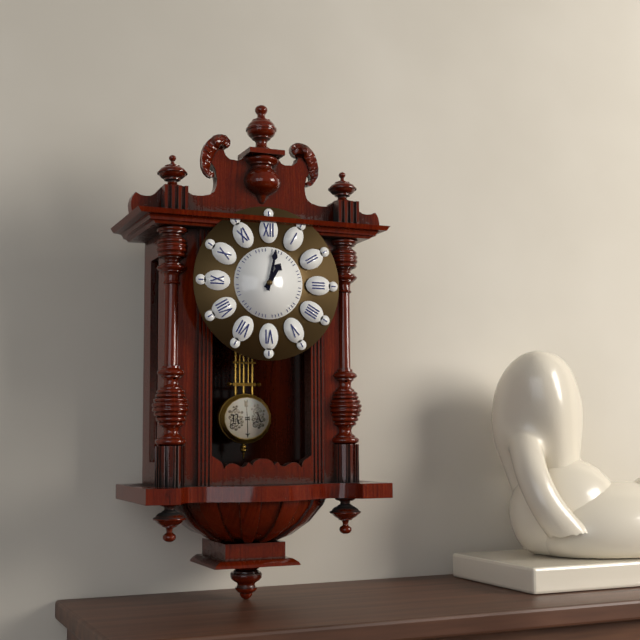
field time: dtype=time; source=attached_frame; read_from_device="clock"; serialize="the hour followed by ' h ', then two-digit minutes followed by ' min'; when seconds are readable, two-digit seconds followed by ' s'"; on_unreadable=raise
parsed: 1 h 02 min
